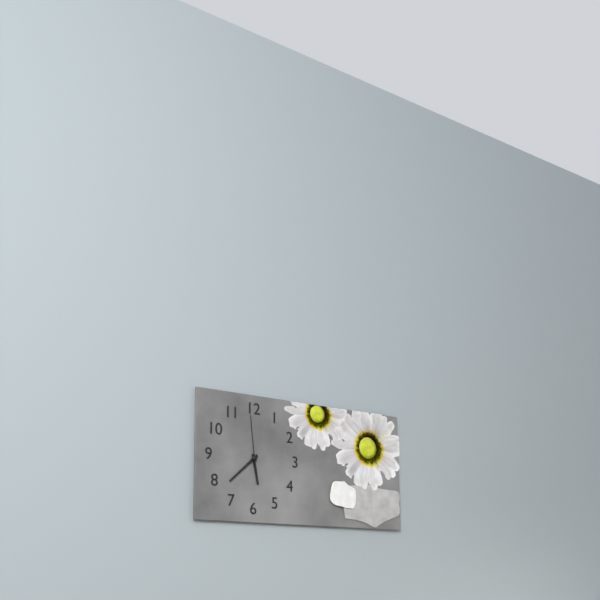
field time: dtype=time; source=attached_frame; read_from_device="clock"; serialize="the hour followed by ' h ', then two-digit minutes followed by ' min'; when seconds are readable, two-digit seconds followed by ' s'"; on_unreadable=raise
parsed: 5 h 38 min 59 s
